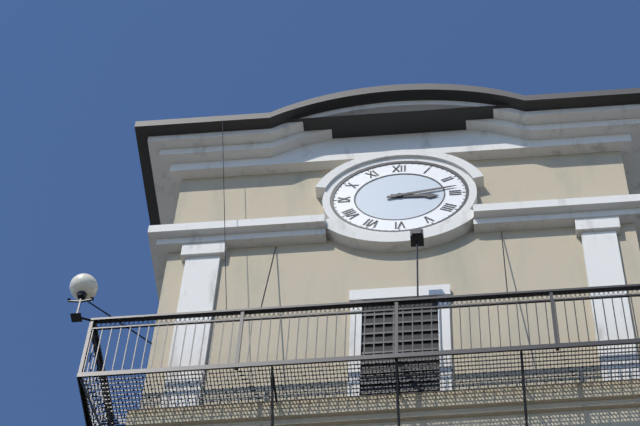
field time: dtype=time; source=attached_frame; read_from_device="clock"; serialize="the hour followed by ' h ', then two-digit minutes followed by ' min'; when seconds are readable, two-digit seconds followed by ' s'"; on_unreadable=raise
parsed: 3 h 13 min
